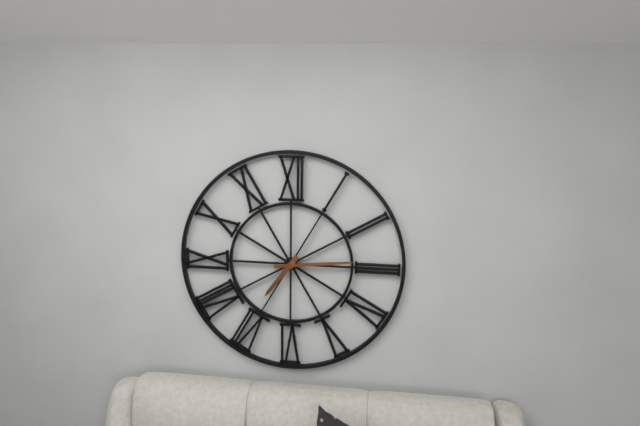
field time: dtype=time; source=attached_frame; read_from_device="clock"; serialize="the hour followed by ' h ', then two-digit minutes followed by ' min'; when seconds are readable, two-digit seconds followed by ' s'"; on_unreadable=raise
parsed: 7 h 14 min
